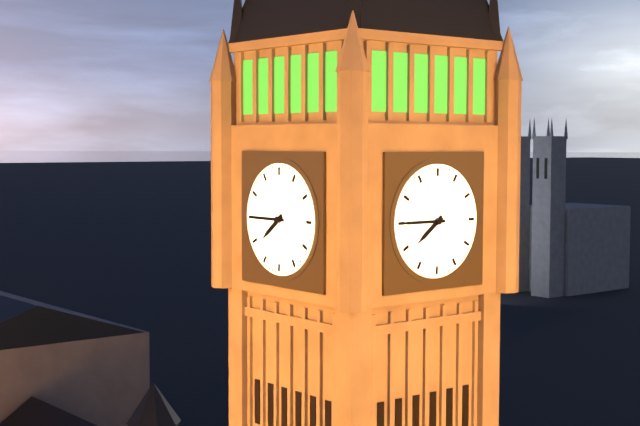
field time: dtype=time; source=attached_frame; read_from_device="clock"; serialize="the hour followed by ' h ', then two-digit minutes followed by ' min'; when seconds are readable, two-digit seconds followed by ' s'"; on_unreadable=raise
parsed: 7 h 45 min
